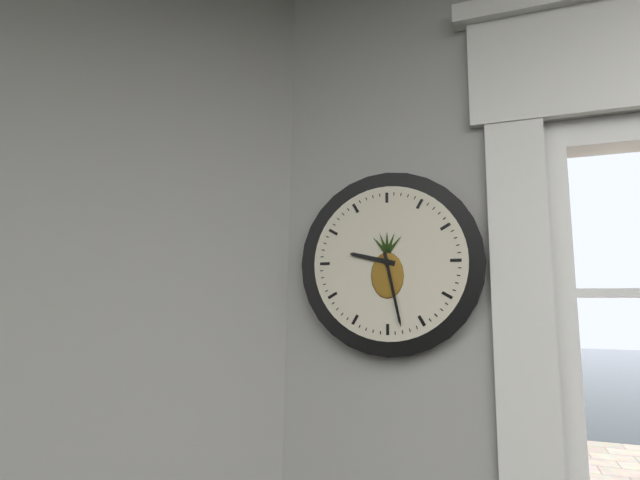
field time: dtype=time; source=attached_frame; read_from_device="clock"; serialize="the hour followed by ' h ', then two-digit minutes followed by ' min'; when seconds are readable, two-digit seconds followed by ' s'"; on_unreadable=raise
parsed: 9 h 28 min
